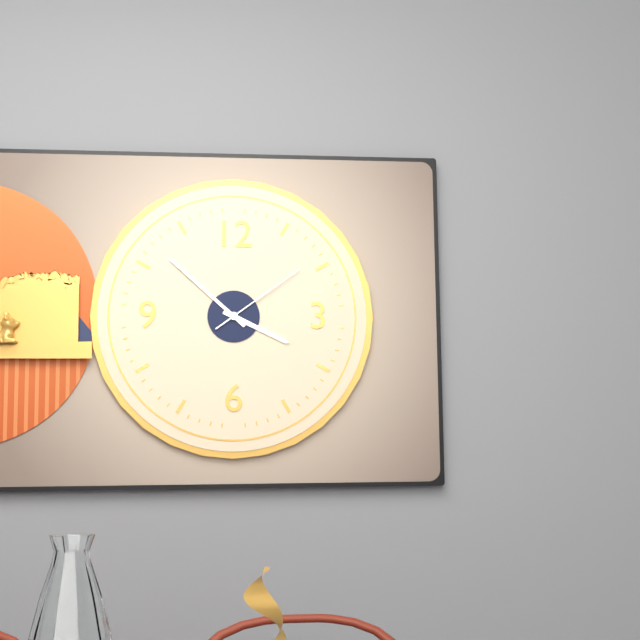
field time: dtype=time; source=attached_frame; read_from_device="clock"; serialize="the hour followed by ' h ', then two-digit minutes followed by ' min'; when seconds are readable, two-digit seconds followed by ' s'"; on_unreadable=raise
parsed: 3 h 52 min 09 s
